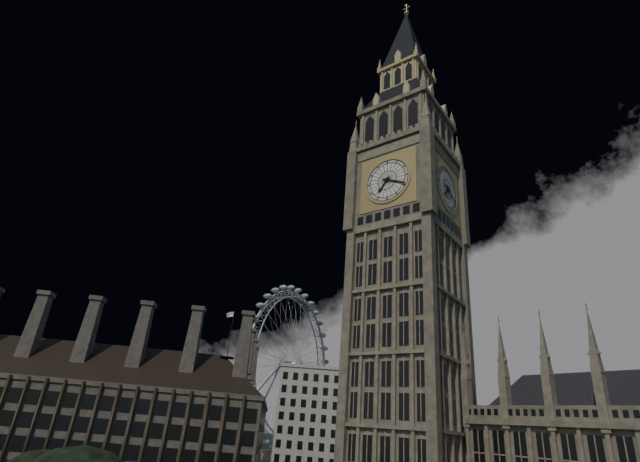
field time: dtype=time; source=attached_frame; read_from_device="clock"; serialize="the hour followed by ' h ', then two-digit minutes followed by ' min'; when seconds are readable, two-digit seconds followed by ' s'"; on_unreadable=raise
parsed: 7 h 19 min
